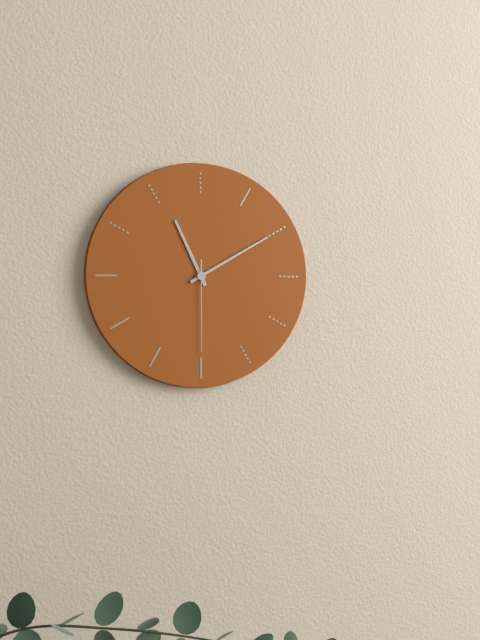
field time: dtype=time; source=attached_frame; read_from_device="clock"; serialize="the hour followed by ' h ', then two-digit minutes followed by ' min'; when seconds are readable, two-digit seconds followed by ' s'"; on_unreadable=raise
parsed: 11 h 10 min 30 s
